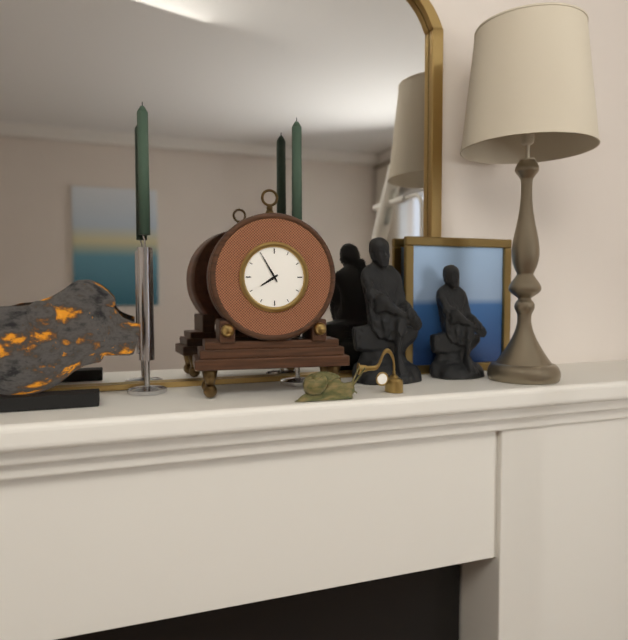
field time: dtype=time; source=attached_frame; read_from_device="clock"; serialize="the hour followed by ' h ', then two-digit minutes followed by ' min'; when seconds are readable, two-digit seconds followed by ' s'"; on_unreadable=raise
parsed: 7 h 55 min
